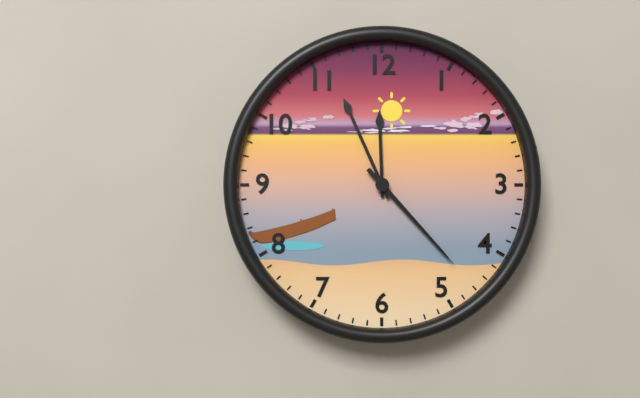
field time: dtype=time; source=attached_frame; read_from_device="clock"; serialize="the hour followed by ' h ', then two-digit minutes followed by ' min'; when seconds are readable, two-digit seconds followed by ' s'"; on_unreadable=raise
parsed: 11 h 56 min 23 s
